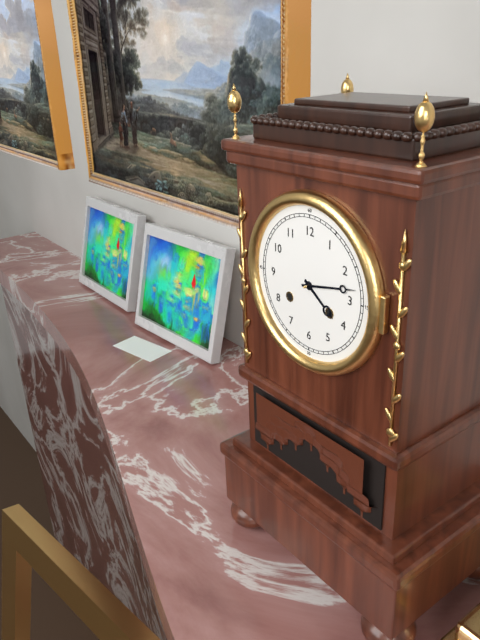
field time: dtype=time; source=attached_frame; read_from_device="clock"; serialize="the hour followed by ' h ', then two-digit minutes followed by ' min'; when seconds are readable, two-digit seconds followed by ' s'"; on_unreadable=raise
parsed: 4 h 13 min
